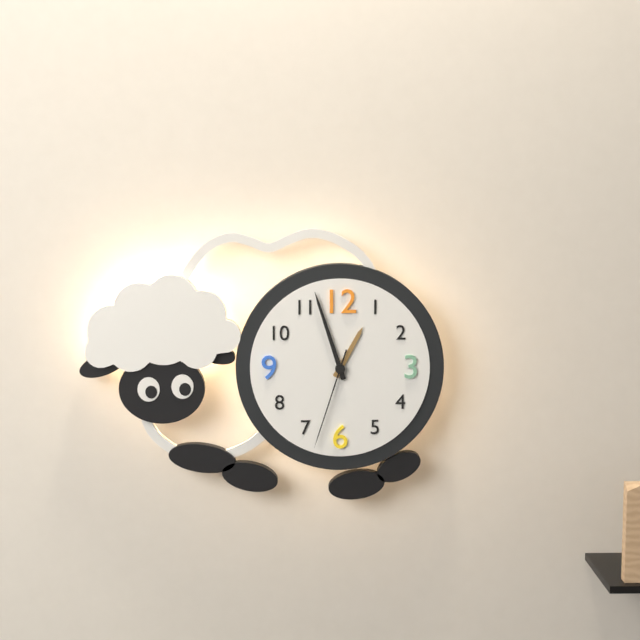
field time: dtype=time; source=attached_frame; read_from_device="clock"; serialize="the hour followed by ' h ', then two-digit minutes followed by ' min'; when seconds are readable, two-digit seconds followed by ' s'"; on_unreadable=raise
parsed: 12 h 57 min 33 s
